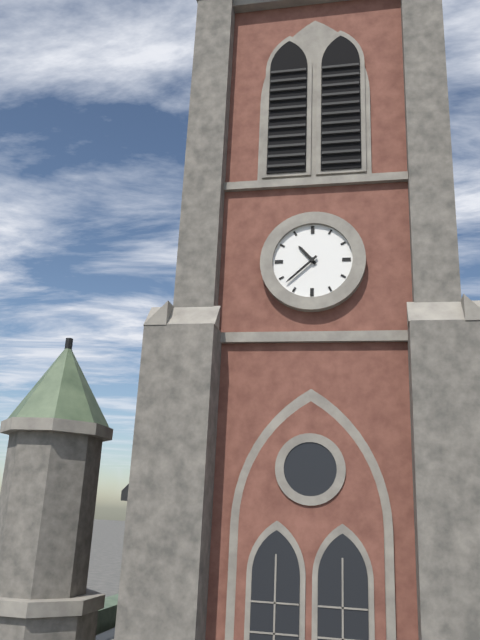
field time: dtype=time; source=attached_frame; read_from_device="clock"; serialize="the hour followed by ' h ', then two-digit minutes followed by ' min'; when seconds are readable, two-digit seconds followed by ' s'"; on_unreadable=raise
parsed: 10 h 38 min
